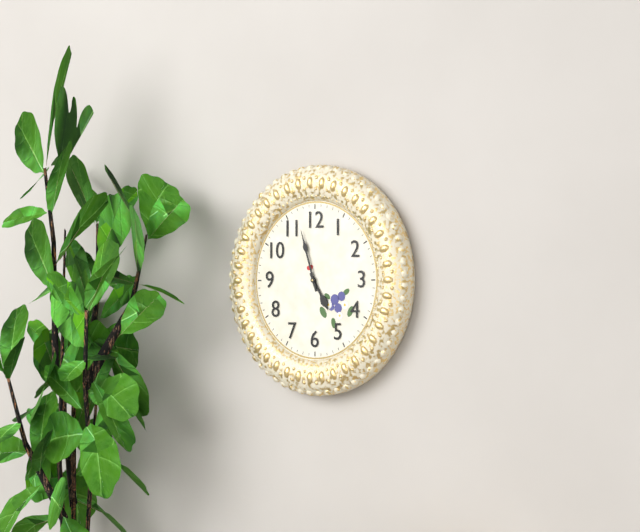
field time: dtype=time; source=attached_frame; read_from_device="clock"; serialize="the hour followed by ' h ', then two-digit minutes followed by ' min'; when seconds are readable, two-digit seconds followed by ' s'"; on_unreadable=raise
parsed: 4 h 57 min
